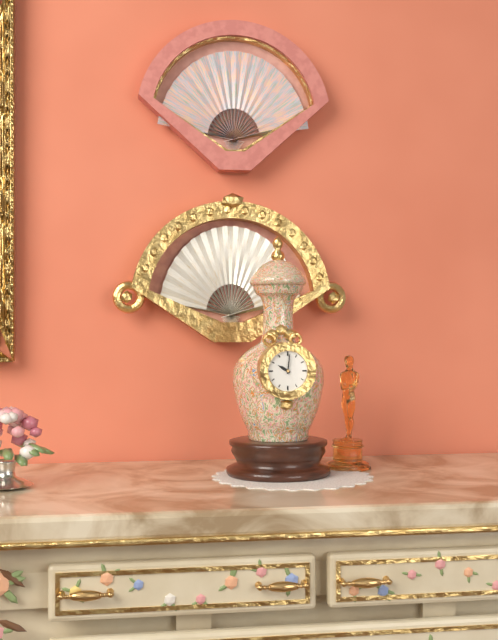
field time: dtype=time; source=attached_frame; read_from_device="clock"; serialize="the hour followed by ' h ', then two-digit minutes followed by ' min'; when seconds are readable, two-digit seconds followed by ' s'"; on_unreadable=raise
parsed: 10 h 01 min
